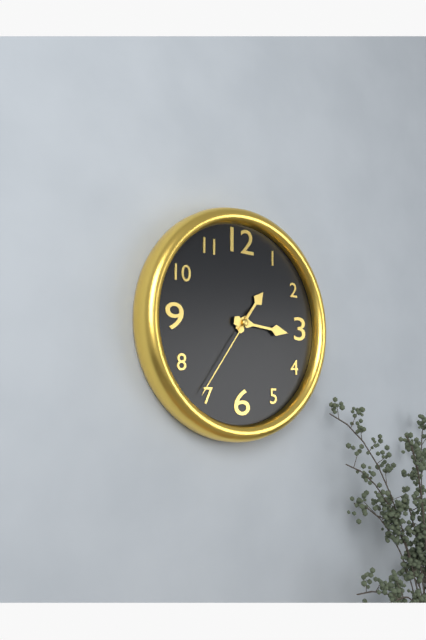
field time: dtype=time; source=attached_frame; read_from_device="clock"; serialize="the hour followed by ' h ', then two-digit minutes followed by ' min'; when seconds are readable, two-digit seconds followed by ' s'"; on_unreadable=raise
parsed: 1 h 16 min 36 s
